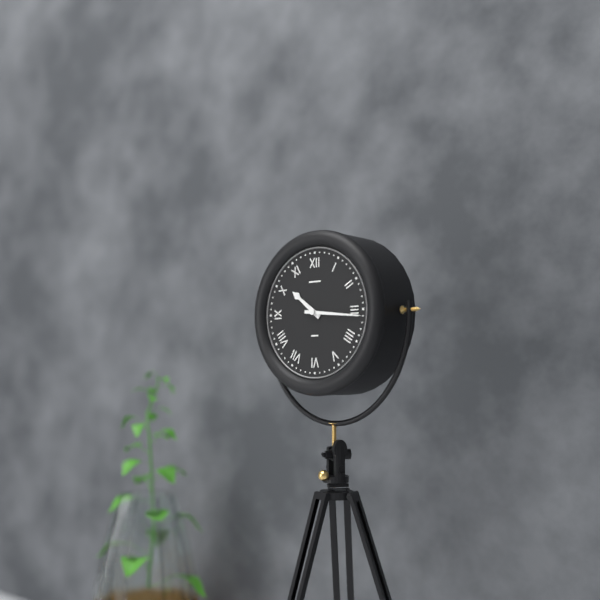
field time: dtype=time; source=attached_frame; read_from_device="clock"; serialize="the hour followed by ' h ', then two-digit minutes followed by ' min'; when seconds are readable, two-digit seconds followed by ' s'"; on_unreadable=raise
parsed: 10 h 16 min
